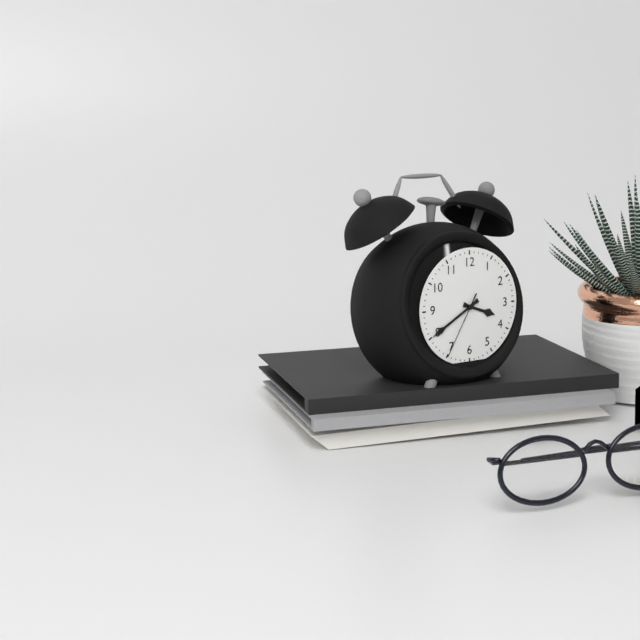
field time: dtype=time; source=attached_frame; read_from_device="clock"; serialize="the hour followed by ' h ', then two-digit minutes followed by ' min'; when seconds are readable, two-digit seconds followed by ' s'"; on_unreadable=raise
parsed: 3 h 40 min 35 s
